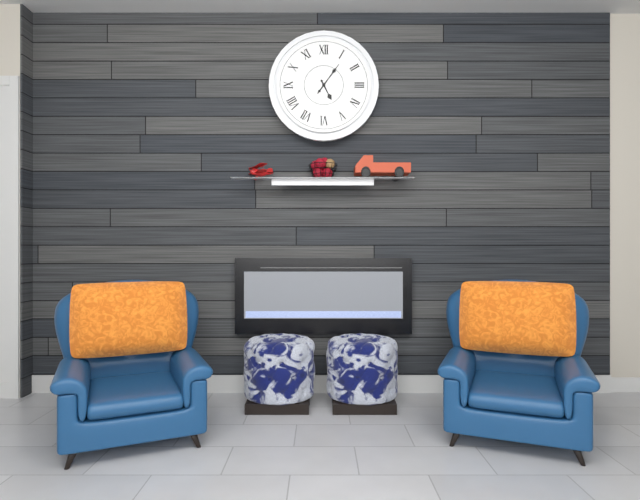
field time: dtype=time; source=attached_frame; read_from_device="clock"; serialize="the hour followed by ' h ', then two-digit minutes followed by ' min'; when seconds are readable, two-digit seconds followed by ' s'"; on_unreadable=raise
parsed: 5 h 06 min
